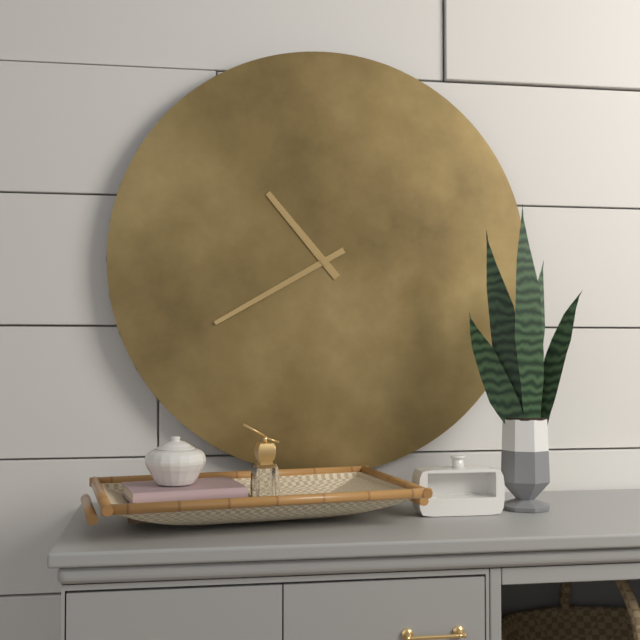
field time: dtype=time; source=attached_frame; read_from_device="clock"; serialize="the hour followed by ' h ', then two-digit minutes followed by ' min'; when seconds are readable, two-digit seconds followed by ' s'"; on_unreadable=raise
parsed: 10 h 40 min
